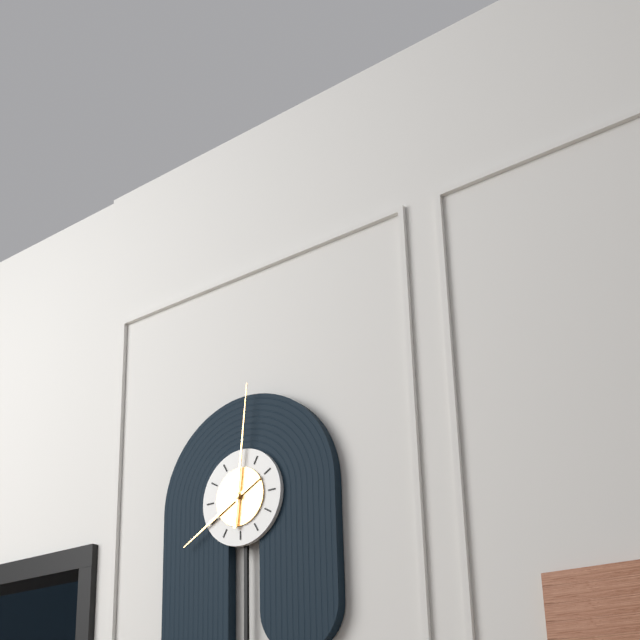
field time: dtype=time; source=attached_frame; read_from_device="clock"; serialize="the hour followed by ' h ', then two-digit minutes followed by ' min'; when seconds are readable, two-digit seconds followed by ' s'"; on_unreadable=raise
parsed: 8 h 01 min
